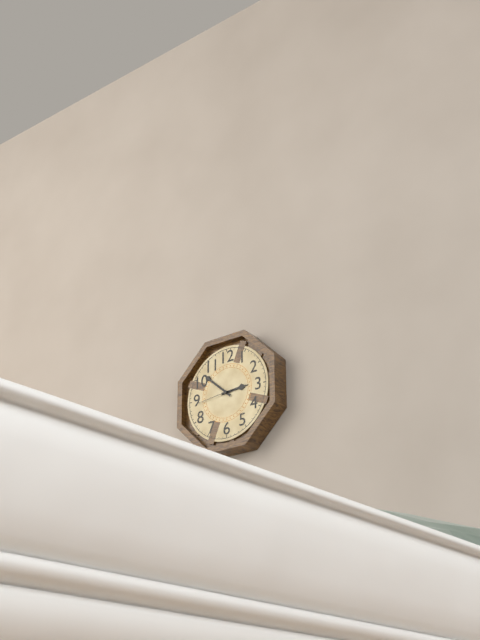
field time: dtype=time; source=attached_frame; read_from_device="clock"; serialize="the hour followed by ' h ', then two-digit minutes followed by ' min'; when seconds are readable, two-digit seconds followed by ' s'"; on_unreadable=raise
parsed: 2 h 52 min
